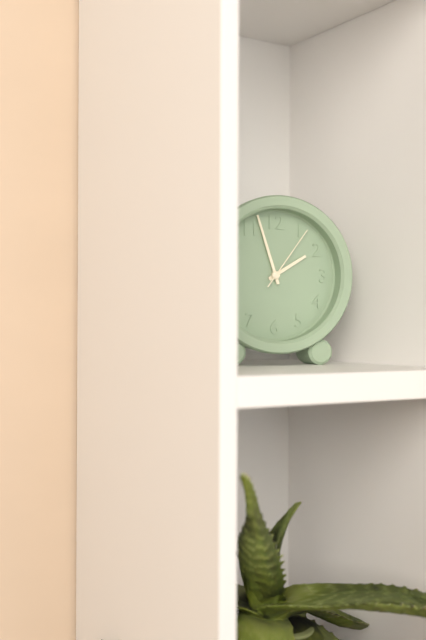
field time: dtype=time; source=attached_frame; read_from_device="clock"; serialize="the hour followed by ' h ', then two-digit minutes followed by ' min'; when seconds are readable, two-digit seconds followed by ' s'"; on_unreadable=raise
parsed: 1 h 57 min 06 s
